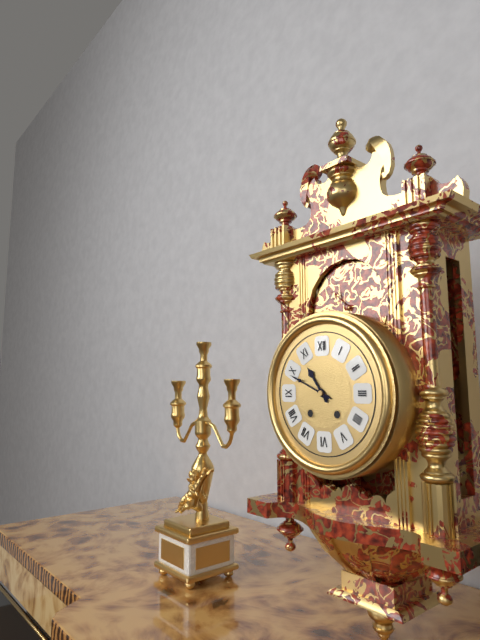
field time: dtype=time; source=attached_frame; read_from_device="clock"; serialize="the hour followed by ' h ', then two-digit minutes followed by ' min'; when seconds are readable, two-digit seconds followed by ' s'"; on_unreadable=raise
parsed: 10 h 49 min
